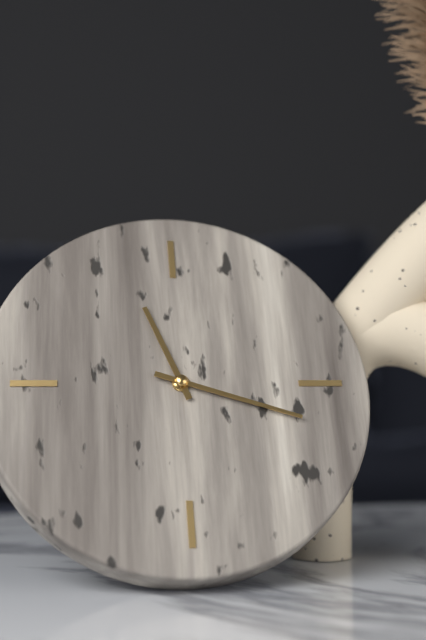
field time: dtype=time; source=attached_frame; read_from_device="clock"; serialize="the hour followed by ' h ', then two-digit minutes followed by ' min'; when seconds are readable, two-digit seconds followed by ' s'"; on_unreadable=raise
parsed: 11 h 18 min
